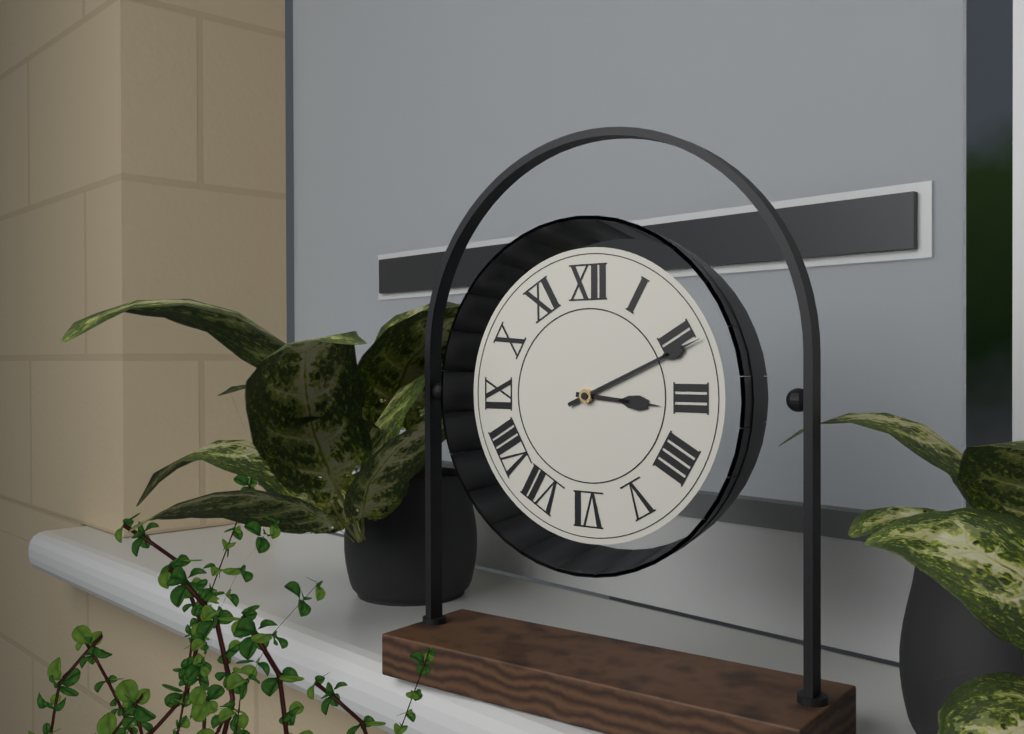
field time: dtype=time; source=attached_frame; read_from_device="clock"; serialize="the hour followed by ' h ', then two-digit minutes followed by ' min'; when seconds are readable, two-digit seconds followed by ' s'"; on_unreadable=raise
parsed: 3 h 11 min
